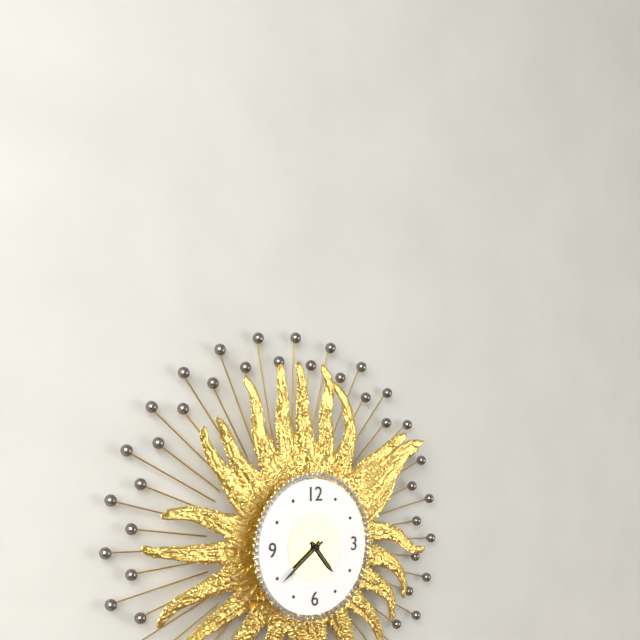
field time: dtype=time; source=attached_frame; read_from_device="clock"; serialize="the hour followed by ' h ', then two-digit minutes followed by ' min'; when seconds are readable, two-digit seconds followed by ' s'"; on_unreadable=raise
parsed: 4 h 39 min
